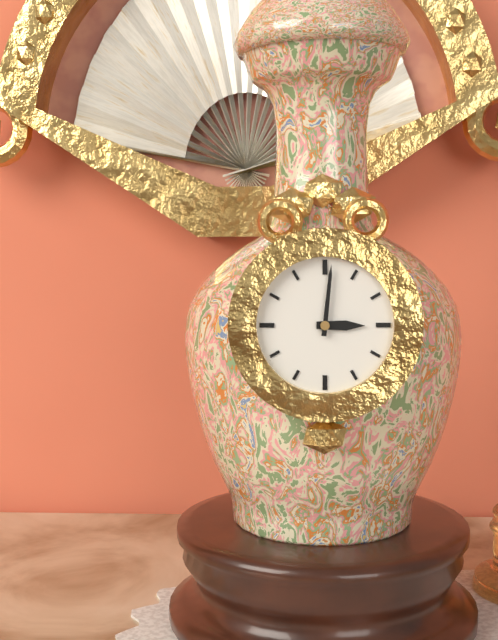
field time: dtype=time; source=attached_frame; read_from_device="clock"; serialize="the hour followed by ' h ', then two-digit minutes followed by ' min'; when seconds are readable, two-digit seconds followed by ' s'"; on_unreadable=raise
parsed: 3 h 01 min
